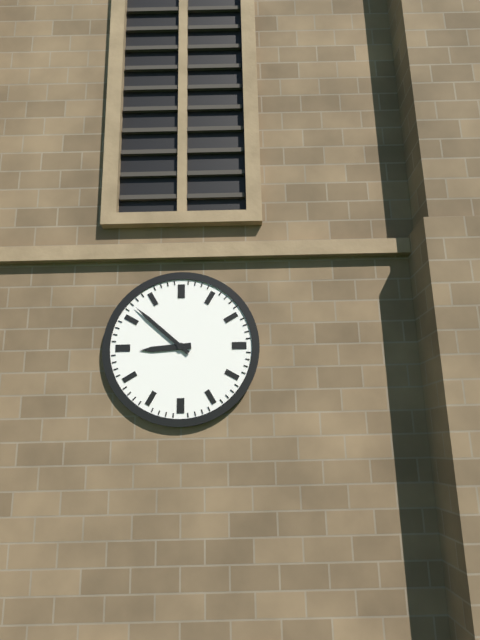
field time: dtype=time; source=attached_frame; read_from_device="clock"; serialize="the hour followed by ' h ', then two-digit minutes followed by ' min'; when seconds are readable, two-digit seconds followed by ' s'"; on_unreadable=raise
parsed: 8 h 52 min
